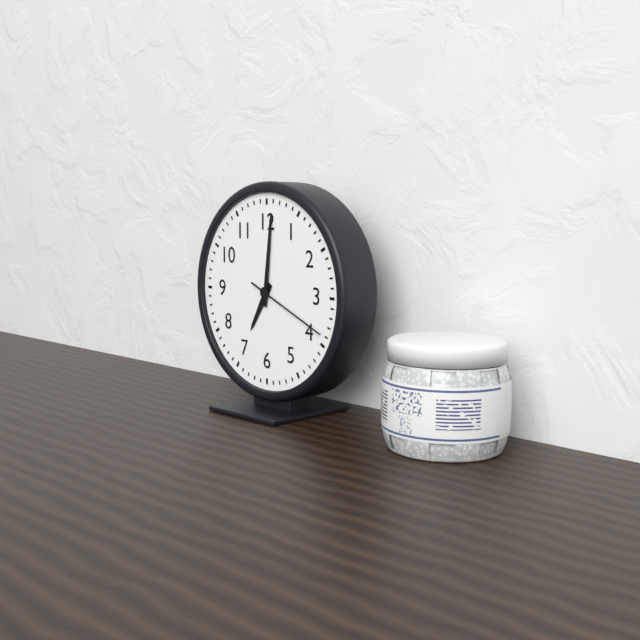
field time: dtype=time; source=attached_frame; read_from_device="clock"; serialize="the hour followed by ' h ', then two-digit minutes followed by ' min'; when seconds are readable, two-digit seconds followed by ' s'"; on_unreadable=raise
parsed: 7 h 01 min 19 s
